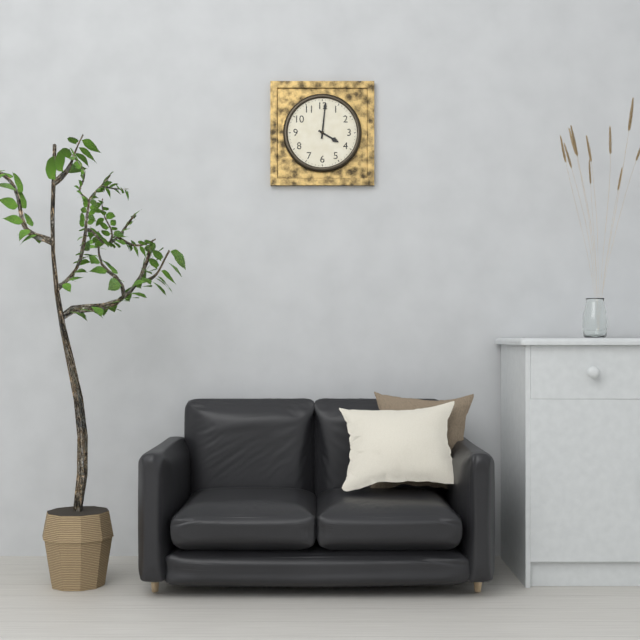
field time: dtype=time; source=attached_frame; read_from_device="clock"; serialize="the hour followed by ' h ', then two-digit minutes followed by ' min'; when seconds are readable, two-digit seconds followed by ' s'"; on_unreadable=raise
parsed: 4 h 01 min
